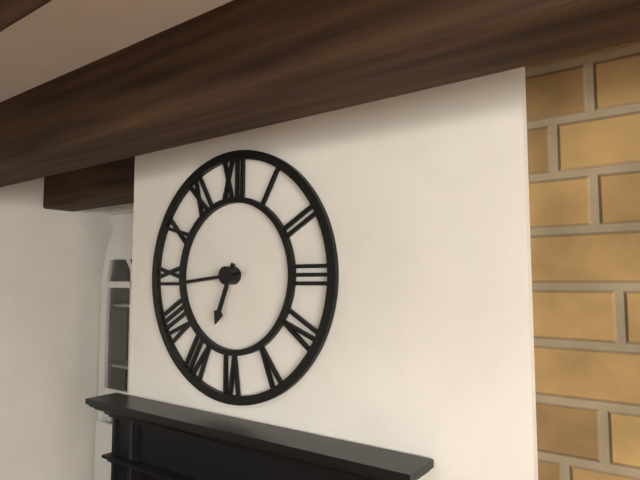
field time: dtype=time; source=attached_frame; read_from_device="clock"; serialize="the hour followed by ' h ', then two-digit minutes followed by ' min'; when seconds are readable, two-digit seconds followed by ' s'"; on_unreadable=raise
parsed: 6 h 44 min
